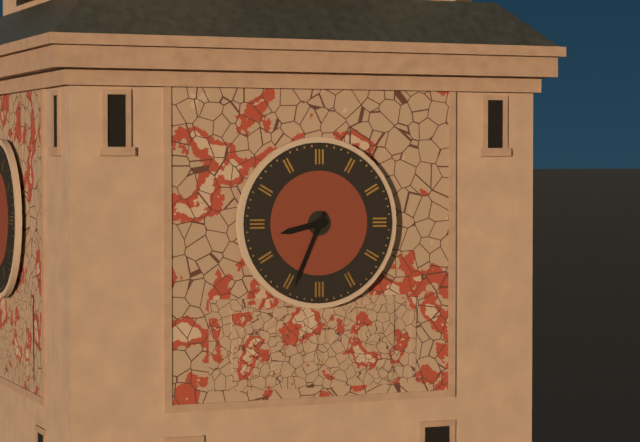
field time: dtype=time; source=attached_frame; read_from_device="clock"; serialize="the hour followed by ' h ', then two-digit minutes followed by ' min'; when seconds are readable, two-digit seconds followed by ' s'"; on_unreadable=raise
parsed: 8 h 34 min
